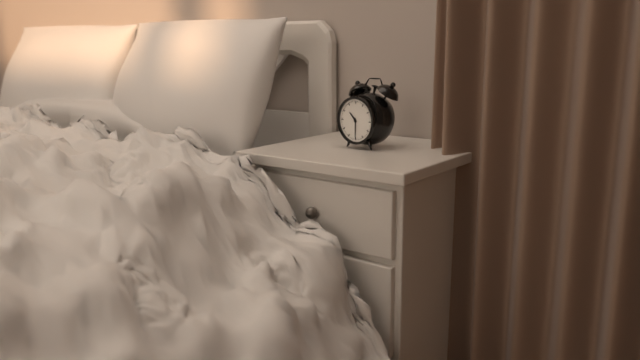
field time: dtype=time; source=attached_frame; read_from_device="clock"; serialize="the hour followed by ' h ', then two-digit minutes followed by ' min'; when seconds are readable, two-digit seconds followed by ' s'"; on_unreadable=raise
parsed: 10 h 30 min
